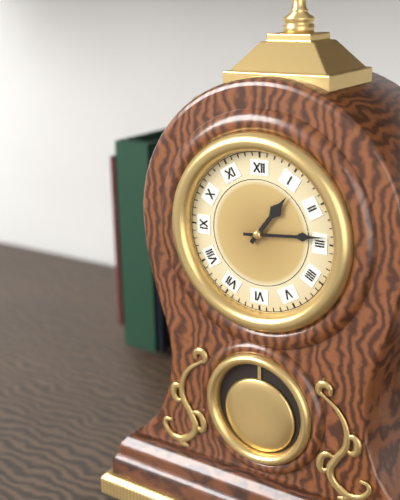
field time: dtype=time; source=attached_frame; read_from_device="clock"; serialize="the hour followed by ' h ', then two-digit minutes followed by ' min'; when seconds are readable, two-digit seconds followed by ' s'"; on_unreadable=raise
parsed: 1 h 14 min
